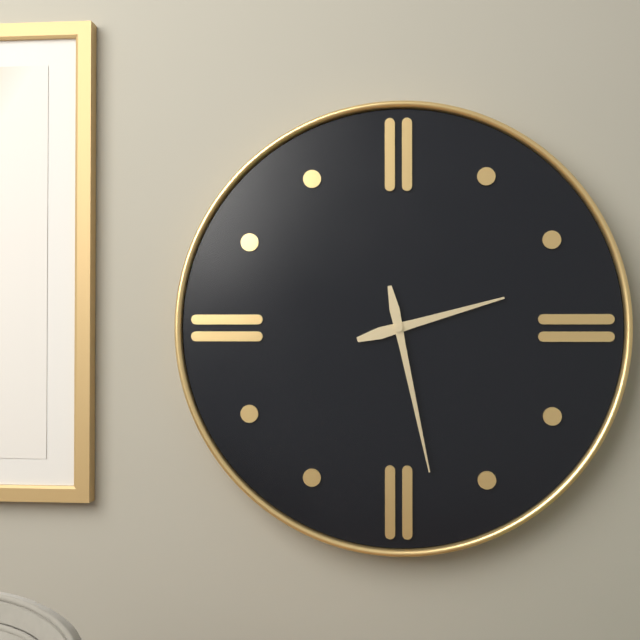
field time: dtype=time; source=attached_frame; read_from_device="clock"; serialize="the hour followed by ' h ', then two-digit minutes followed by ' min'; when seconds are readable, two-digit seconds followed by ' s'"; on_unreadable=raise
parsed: 2 h 28 min
